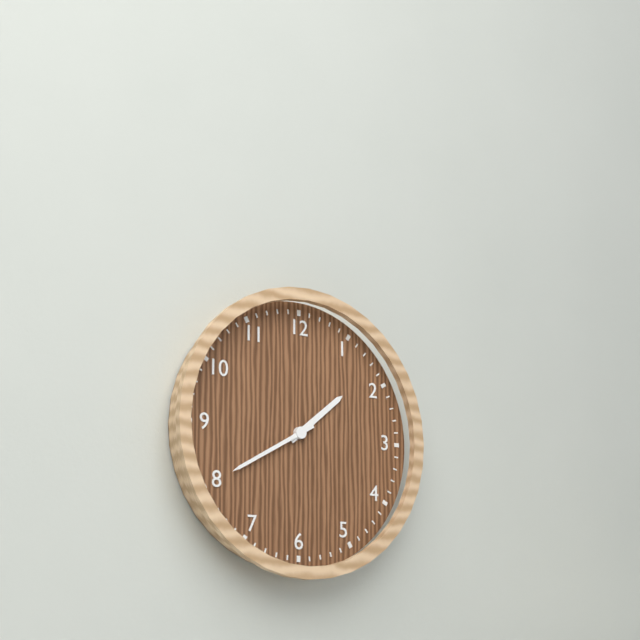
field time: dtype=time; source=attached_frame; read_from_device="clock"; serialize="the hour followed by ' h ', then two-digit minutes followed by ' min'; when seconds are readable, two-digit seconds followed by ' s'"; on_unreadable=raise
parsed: 1 h 40 min
